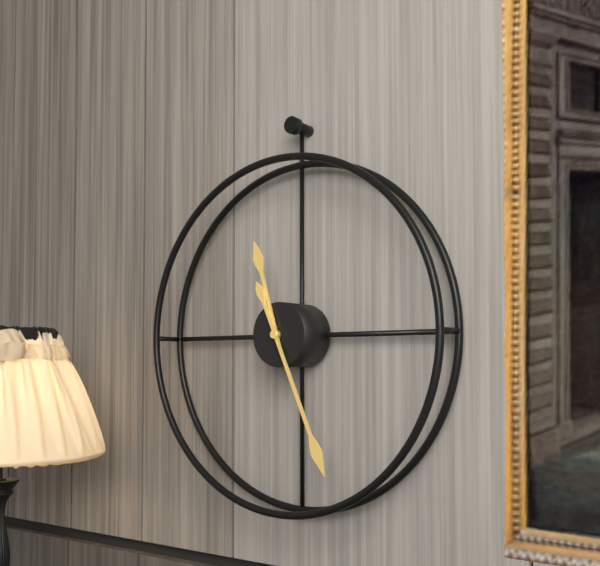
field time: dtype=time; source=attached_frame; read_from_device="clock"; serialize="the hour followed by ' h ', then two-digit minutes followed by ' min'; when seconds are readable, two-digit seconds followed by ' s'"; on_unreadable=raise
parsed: 11 h 26 min
